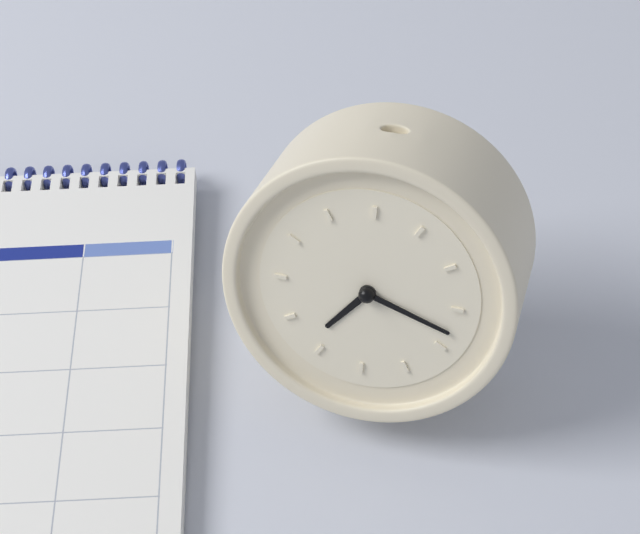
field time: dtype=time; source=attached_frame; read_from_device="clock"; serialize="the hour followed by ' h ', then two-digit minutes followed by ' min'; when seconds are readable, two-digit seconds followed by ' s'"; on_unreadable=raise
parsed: 7 h 18 min
